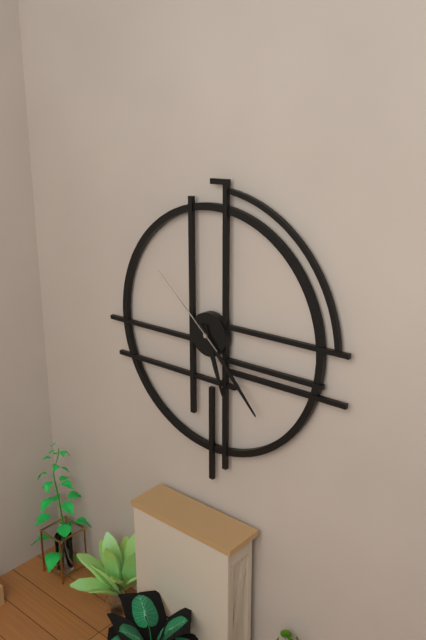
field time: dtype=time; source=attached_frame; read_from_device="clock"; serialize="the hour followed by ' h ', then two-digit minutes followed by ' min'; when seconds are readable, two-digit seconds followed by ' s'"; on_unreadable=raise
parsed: 5 h 23 min 52 s
